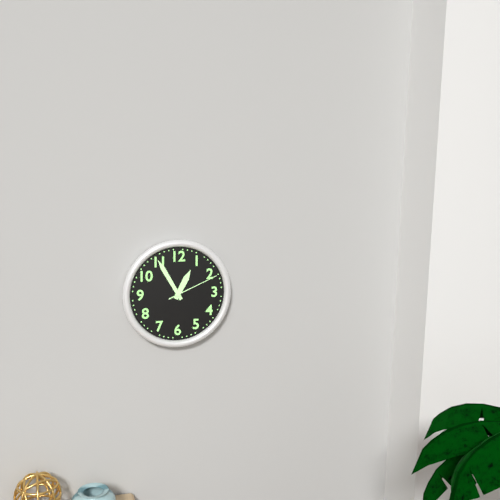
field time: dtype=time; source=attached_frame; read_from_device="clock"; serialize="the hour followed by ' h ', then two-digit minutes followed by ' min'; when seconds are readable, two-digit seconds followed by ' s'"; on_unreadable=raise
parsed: 12 h 55 min 11 s
